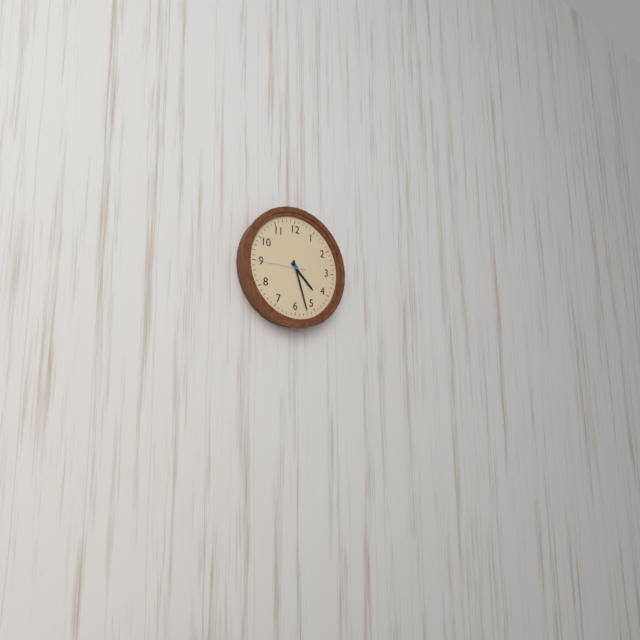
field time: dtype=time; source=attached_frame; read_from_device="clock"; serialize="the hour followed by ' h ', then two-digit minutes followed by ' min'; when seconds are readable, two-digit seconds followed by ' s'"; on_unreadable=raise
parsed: 4 h 27 min 45 s
